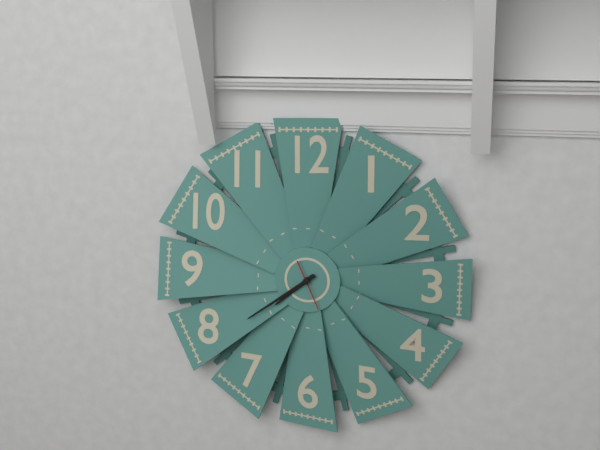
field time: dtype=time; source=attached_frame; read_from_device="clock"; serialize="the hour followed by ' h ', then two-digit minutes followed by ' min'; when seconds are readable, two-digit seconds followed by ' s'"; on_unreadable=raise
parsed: 7 h 39 min
